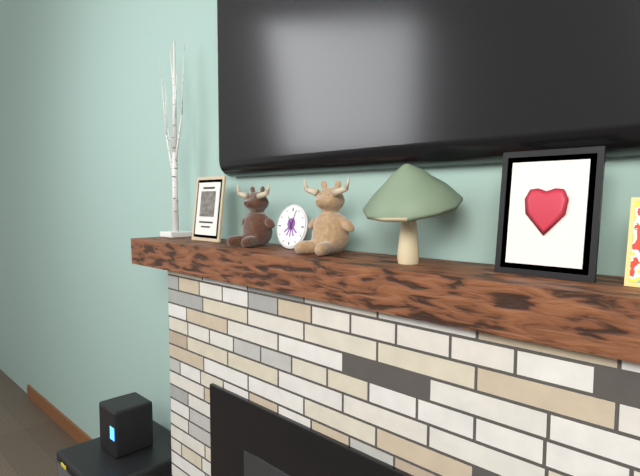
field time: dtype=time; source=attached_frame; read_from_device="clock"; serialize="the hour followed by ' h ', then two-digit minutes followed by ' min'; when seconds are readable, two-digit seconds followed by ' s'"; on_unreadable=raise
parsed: 11 h 03 min
